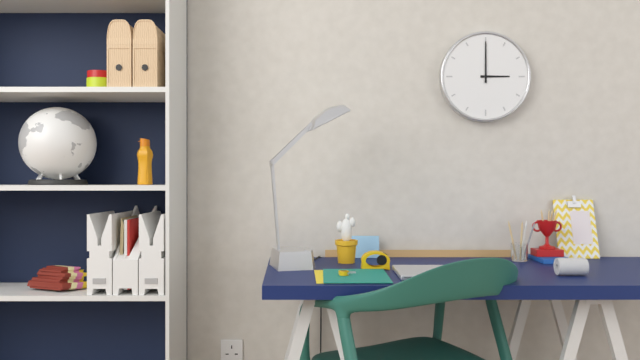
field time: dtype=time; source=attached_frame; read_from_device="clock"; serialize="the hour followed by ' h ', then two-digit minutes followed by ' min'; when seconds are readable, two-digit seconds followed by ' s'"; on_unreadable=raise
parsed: 3 h 00 min
